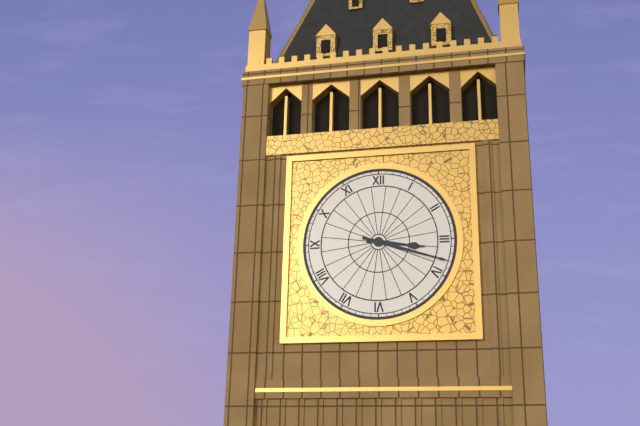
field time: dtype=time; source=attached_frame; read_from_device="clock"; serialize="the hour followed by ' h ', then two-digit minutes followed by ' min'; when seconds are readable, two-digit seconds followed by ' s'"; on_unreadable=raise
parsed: 3 h 18 min
